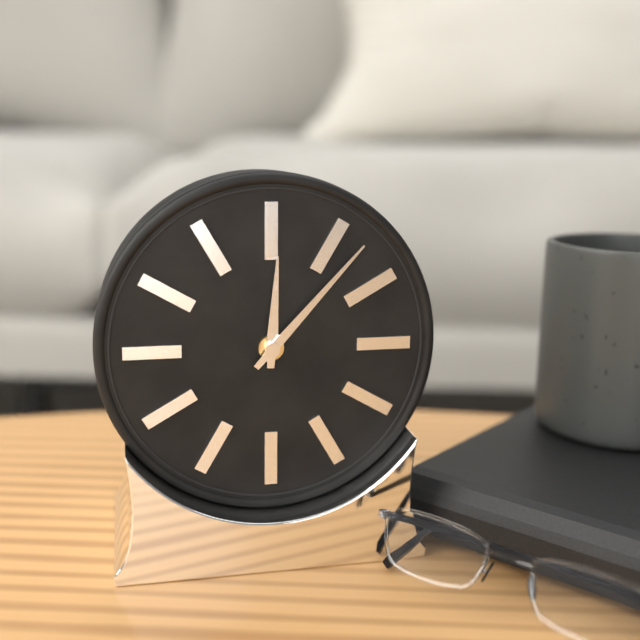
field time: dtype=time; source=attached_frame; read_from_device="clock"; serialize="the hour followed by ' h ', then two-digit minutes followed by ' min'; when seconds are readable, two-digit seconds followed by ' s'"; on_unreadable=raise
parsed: 12 h 07 min
